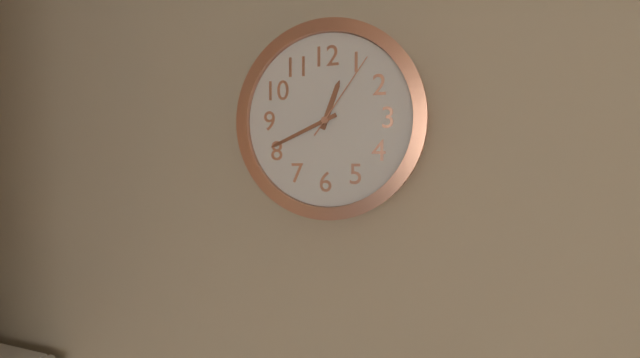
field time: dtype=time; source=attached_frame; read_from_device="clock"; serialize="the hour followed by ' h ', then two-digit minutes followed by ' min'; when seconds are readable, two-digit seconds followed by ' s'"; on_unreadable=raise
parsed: 12 h 41 min 06 s
